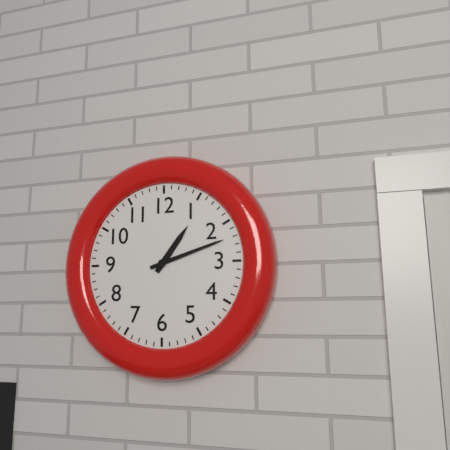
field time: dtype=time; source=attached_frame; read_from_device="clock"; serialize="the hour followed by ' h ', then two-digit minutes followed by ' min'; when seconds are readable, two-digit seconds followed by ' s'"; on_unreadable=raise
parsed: 1 h 12 min
